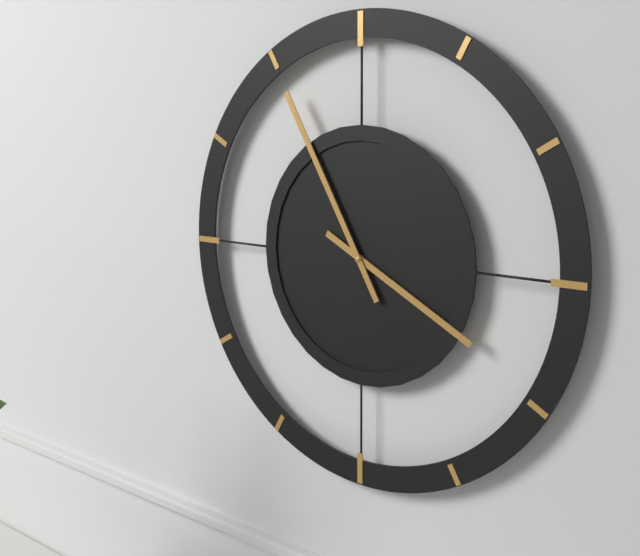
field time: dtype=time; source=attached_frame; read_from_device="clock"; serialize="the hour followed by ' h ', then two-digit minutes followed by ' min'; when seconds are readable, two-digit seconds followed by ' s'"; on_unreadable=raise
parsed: 3 h 55 min
